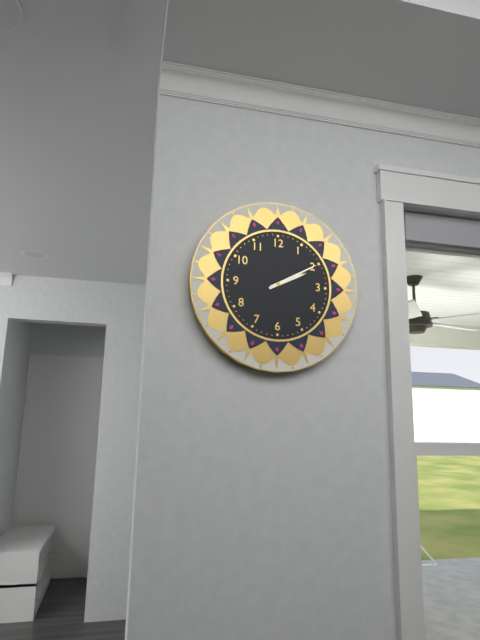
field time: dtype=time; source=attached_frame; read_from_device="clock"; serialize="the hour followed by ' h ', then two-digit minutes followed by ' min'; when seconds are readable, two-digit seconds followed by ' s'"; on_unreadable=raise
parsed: 2 h 10 min
